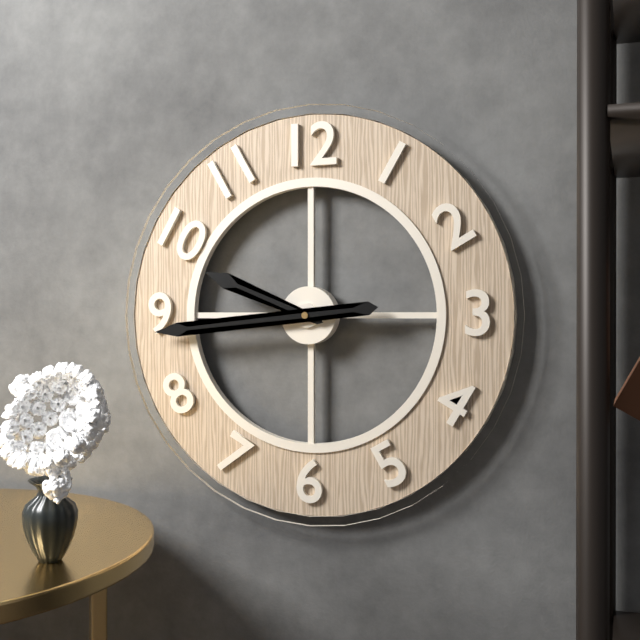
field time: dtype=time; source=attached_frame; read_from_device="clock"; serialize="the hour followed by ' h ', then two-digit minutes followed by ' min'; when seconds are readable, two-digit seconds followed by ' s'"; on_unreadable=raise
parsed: 9 h 44 min
